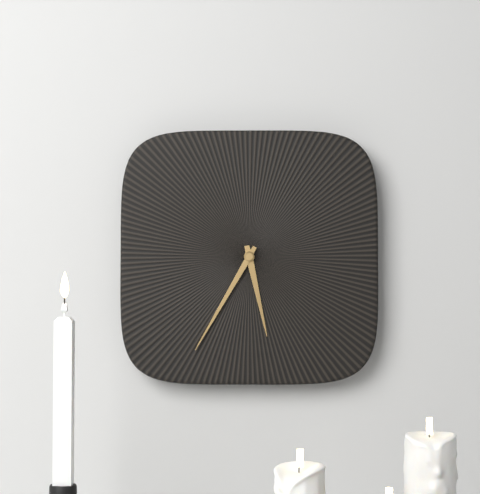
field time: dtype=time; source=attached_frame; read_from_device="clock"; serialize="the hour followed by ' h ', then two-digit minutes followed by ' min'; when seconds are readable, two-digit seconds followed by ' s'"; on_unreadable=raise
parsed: 5 h 35 min
